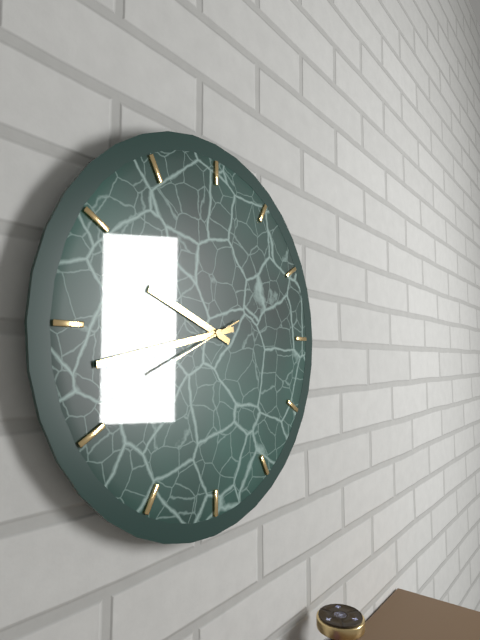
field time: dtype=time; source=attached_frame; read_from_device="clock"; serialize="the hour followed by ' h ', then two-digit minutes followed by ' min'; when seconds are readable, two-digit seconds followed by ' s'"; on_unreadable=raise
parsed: 9 h 43 min 41 s
